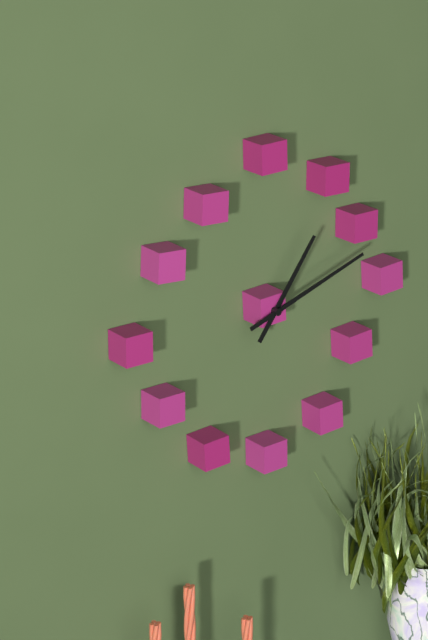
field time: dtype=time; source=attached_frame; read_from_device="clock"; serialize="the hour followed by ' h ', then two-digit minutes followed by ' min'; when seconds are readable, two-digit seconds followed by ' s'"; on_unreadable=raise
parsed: 1 h 12 min
